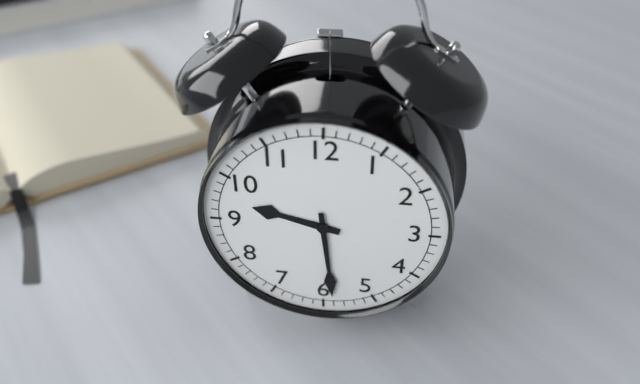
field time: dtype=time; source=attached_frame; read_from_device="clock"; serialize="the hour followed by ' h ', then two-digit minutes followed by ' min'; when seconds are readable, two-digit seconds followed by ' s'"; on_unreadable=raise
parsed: 9 h 29 min
